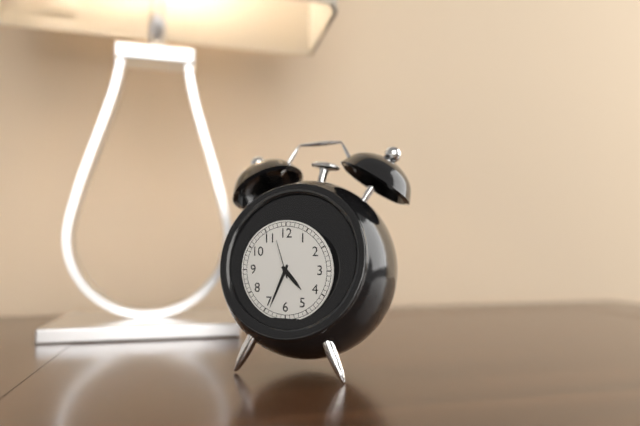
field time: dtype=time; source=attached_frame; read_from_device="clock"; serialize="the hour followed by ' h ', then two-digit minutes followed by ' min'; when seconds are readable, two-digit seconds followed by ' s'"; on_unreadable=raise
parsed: 4 h 34 min
